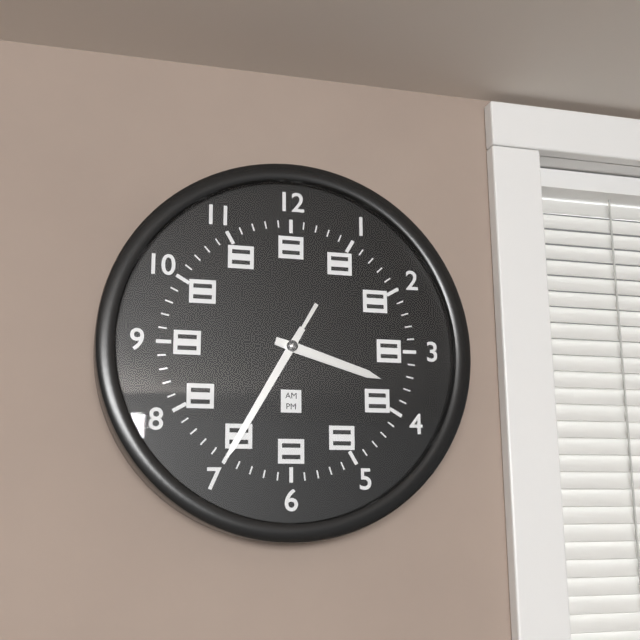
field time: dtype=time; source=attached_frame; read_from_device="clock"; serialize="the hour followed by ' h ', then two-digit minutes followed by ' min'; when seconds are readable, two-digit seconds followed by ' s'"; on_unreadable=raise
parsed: 3 h 35 min 35 s
